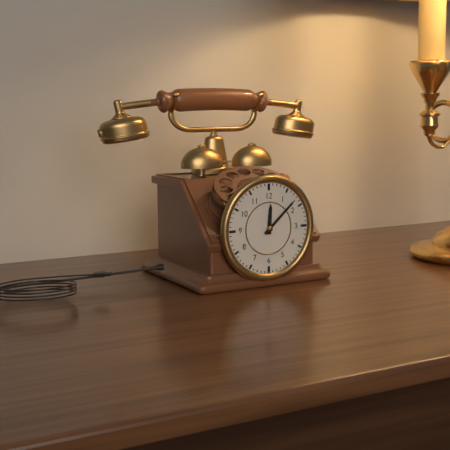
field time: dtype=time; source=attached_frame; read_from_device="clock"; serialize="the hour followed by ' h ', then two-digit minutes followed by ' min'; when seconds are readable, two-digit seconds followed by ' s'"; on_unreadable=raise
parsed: 12 h 08 min
